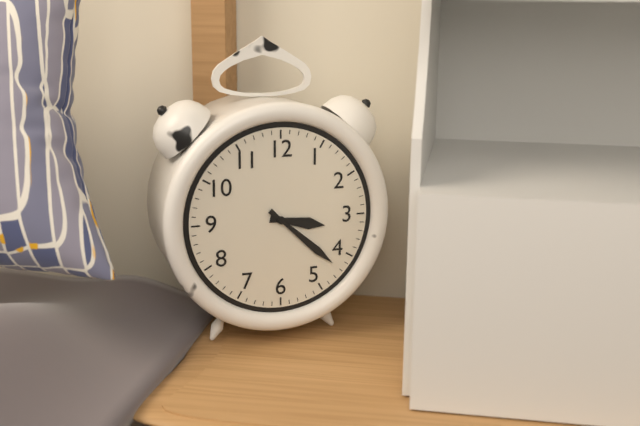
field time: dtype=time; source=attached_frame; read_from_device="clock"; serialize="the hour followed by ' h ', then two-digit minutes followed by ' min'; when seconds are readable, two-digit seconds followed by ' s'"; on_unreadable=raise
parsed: 3 h 22 min
